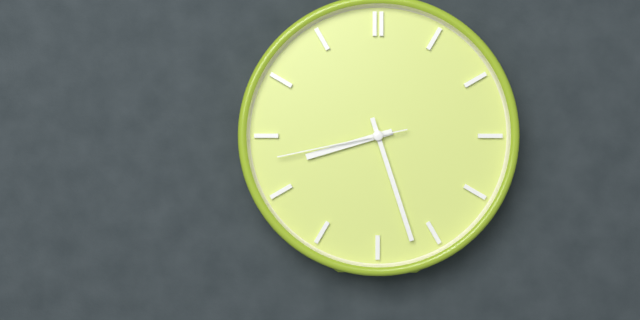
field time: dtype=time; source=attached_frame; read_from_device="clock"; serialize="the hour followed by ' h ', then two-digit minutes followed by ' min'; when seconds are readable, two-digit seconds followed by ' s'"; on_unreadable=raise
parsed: 8 h 27 min 43 s
